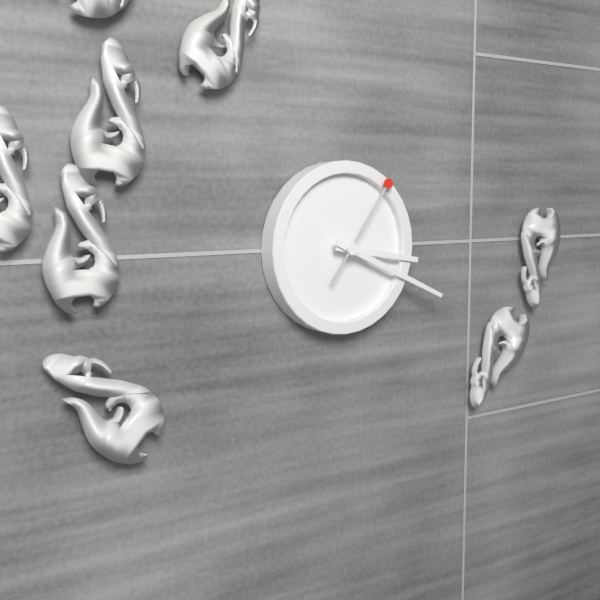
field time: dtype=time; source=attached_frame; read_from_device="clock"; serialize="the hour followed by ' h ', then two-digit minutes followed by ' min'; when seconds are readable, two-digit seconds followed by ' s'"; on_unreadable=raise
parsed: 3 h 19 min 06 s
